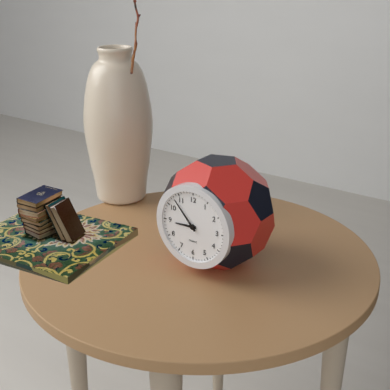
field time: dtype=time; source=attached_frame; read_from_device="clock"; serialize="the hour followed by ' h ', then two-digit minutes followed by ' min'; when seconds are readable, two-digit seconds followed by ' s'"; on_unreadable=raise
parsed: 8 h 53 min
